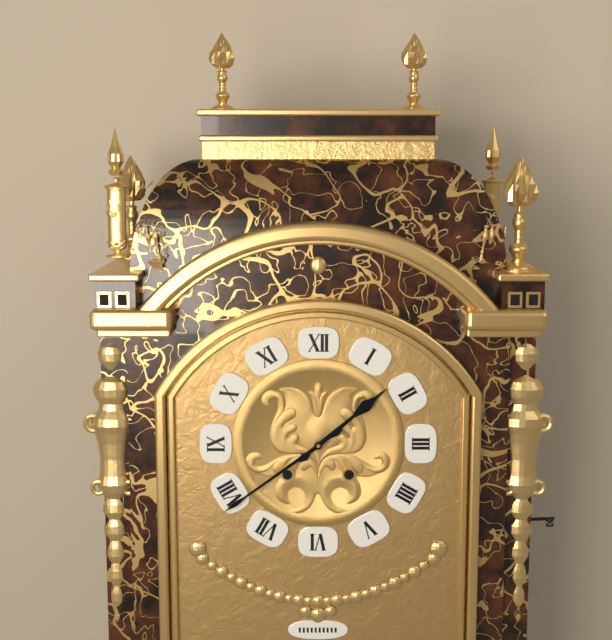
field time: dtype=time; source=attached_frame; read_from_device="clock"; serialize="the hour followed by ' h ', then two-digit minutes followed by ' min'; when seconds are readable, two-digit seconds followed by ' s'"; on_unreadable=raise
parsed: 1 h 39 min
